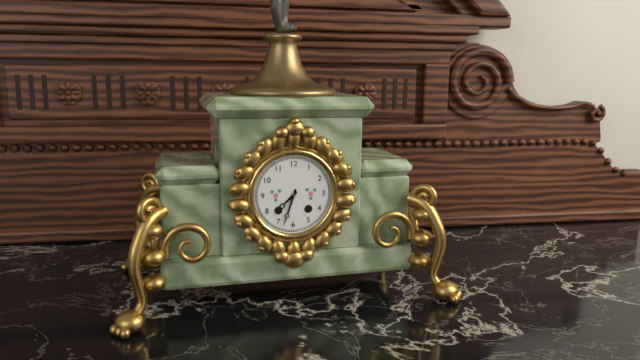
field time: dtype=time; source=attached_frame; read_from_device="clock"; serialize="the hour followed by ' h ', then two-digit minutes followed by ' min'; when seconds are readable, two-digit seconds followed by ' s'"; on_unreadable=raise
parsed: 7 h 33 min
